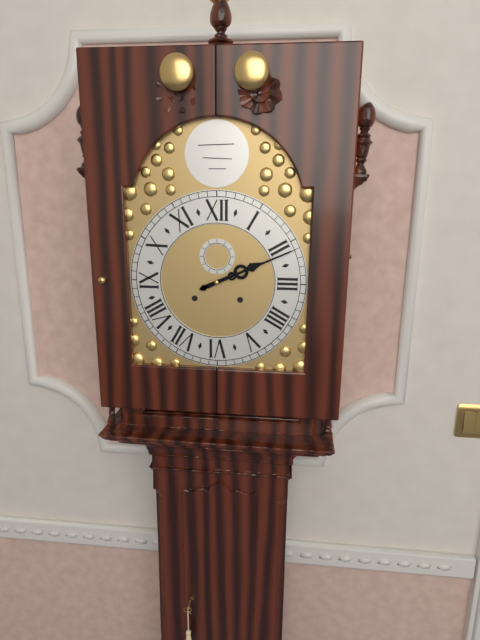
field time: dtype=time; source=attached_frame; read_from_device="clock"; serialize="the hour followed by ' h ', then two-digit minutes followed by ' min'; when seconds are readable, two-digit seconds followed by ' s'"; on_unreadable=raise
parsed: 2 h 11 min
